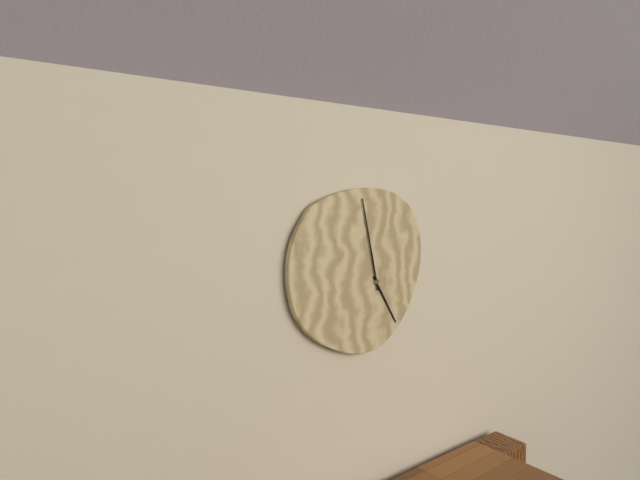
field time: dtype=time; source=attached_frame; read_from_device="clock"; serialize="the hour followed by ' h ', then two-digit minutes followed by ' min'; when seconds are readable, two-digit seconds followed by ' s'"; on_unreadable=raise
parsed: 4 h 58 min
